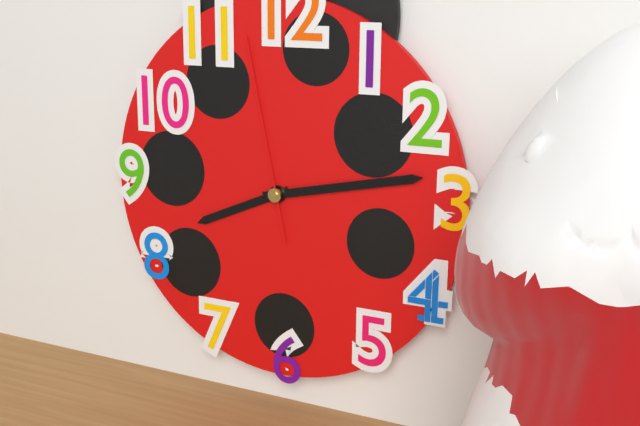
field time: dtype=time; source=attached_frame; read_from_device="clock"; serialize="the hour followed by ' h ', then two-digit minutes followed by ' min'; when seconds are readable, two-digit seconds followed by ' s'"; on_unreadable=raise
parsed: 8 h 13 min 58 s
